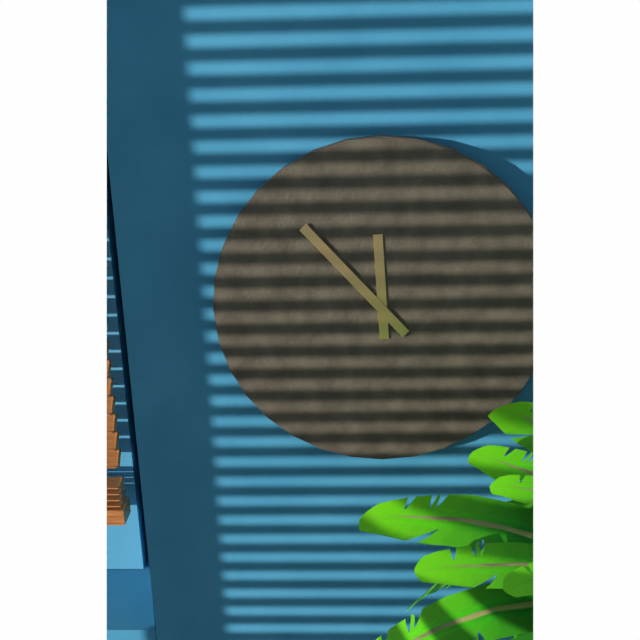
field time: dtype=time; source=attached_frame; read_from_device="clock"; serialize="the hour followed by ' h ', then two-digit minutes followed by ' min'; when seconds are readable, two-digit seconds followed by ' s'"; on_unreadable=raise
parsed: 11 h 53 min
